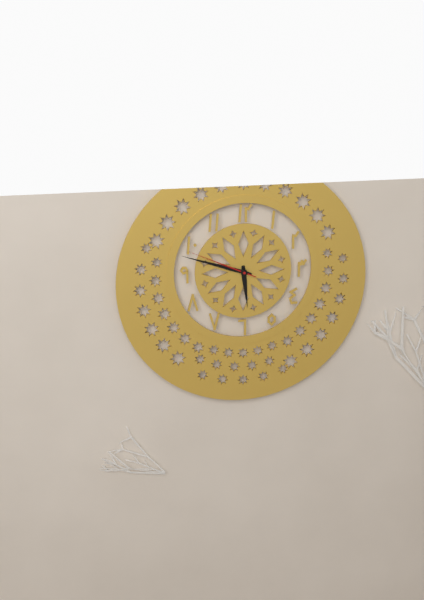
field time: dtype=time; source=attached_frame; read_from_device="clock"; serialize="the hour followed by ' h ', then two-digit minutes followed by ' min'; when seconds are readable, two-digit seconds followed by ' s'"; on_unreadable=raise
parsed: 5 h 48 min 49 s
